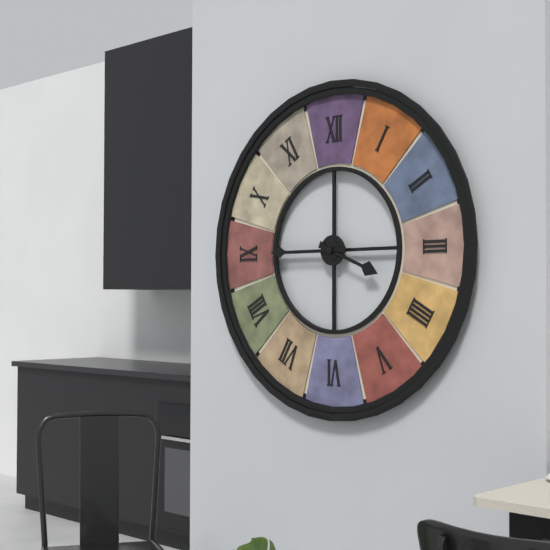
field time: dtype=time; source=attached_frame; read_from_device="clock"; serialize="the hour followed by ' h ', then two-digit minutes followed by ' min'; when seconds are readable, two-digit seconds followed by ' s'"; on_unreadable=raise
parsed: 3 h 45 min
